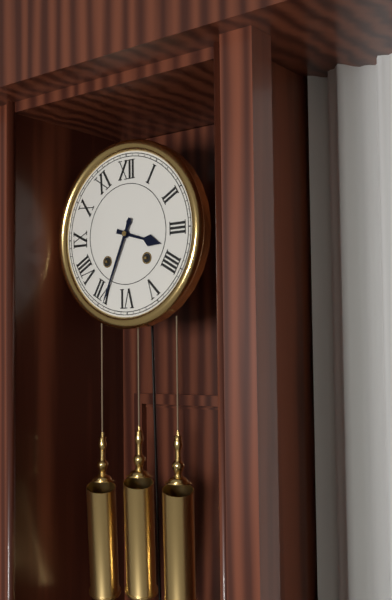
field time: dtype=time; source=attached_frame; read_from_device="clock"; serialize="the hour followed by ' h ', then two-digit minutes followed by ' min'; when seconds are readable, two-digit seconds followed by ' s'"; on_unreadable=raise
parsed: 3 h 34 min
